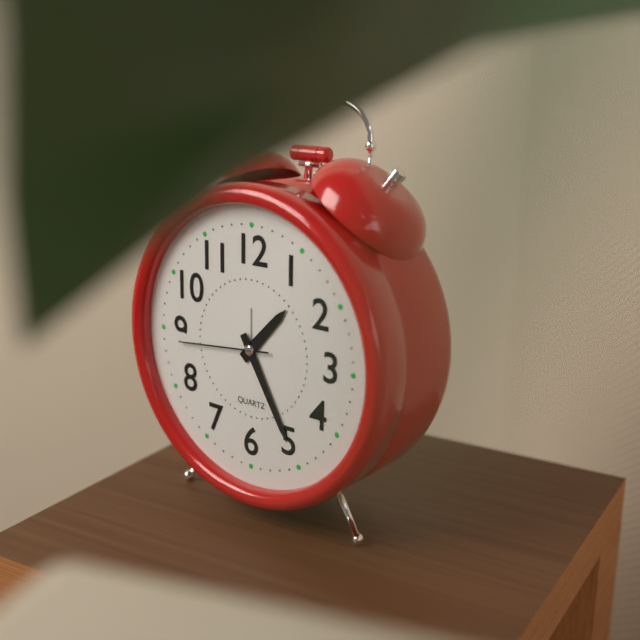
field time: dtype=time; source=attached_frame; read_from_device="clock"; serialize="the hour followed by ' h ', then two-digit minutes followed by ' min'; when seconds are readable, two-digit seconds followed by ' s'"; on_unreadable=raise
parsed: 1 h 25 min 44 s
